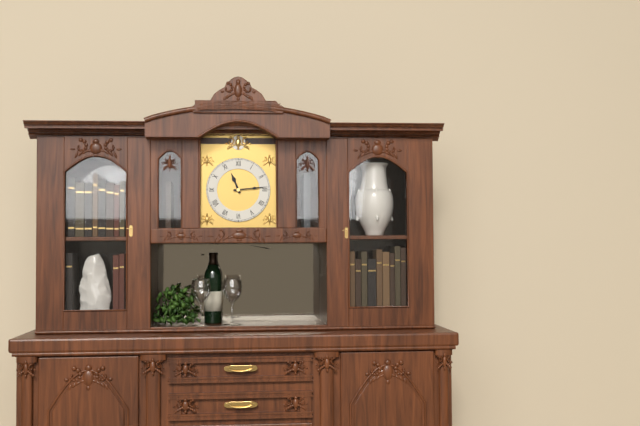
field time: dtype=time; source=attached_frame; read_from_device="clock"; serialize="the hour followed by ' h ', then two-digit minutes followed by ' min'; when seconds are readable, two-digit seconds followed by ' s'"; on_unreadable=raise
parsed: 11 h 14 min
